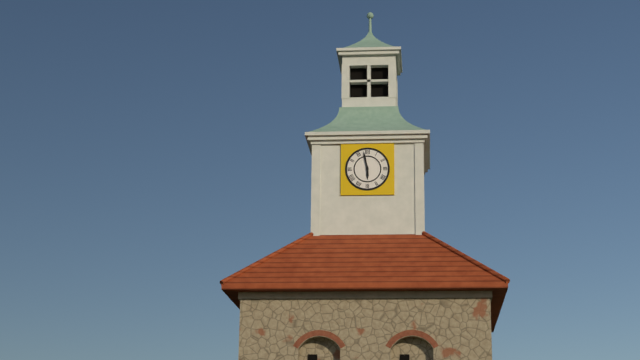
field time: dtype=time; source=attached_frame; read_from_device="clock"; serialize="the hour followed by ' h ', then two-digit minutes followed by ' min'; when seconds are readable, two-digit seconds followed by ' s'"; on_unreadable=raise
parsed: 5 h 58 min
